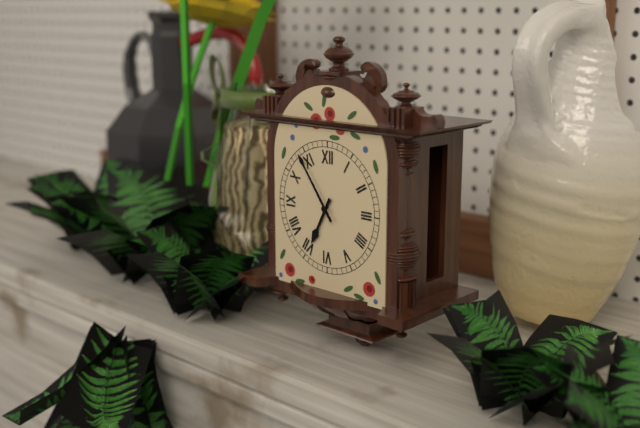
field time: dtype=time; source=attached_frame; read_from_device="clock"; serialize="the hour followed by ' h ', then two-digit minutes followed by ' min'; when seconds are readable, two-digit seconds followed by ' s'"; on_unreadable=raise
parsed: 6 h 54 min
